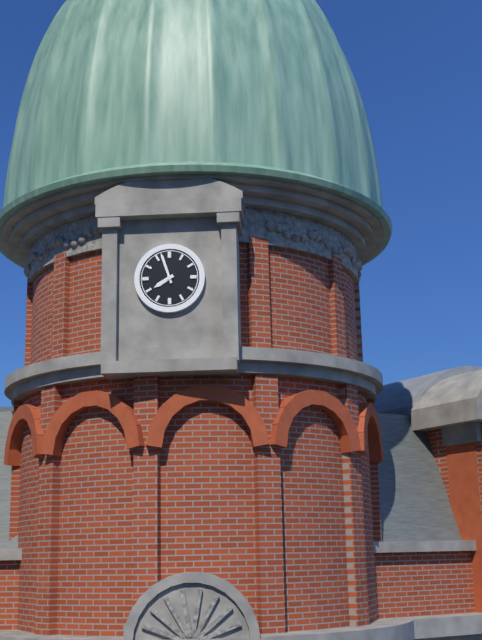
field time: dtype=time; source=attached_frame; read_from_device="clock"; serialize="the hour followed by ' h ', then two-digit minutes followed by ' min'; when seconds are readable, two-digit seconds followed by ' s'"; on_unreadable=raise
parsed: 7 h 57 min
